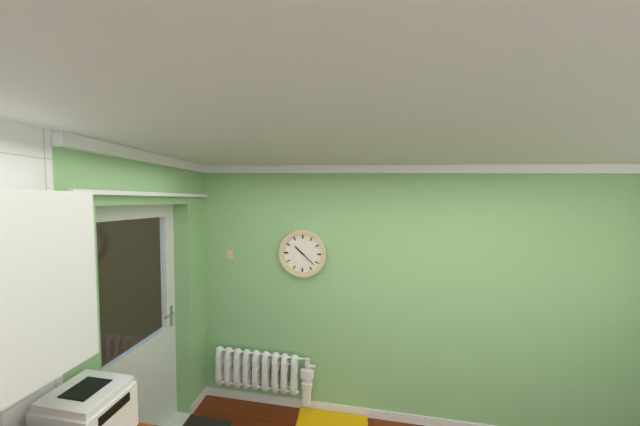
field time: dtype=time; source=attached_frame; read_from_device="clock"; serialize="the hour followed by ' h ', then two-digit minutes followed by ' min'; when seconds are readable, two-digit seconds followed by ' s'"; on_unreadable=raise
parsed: 10 h 22 min
